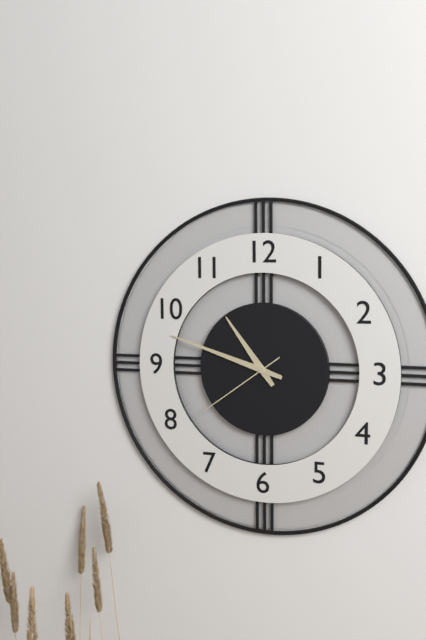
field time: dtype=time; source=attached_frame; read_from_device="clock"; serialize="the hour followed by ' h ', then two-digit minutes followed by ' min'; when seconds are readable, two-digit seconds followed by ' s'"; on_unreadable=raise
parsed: 10 h 48 min 39 s
